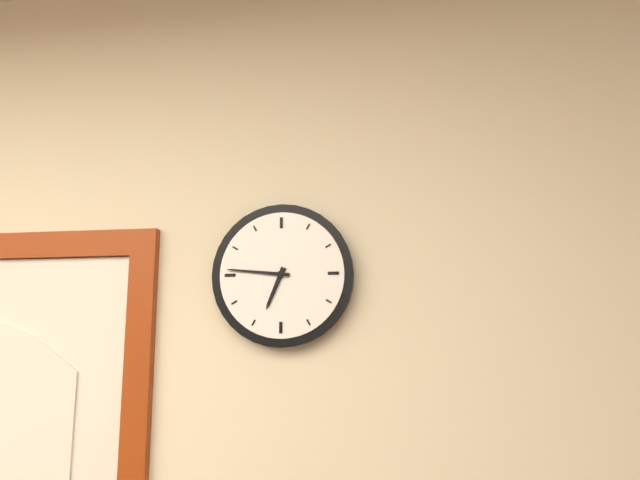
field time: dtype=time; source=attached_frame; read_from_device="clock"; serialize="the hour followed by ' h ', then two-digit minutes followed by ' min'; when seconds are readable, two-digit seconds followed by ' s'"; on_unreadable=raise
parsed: 6 h 46 min
